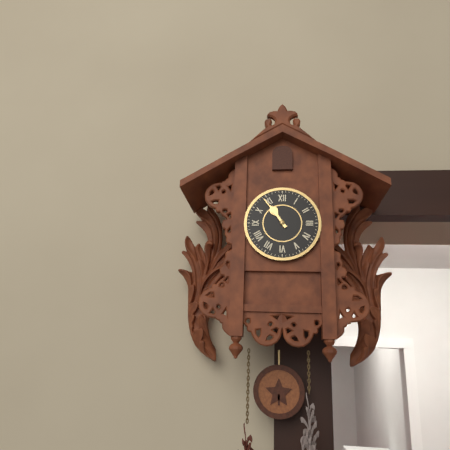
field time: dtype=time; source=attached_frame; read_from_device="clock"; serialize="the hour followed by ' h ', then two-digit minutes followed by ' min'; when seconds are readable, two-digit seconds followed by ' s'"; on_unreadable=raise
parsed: 10 h 54 min
